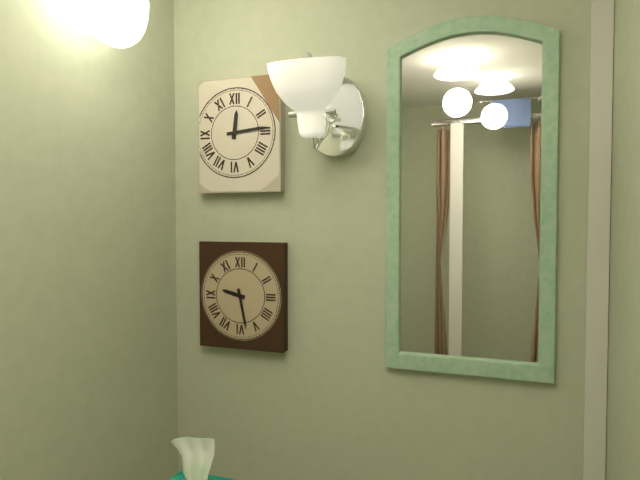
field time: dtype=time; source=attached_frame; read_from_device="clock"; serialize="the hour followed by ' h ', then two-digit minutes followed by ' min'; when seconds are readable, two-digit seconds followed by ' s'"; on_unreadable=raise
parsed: 12 h 14 min
